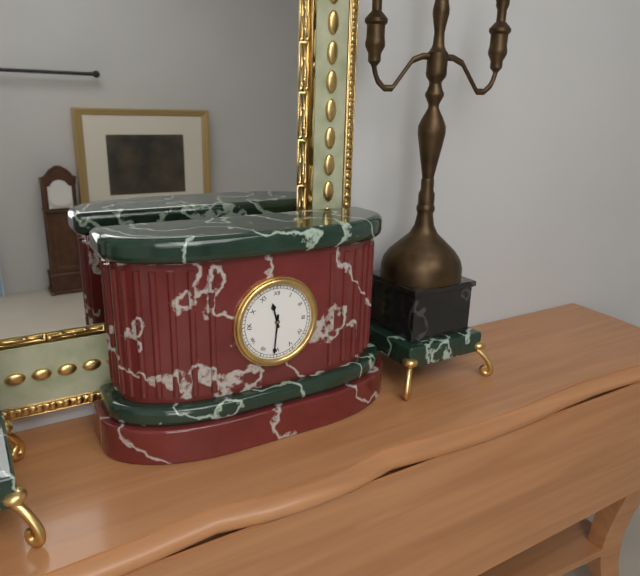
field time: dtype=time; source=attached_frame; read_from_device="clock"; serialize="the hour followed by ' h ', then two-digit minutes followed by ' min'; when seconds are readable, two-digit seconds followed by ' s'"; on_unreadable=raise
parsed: 11 h 31 min
